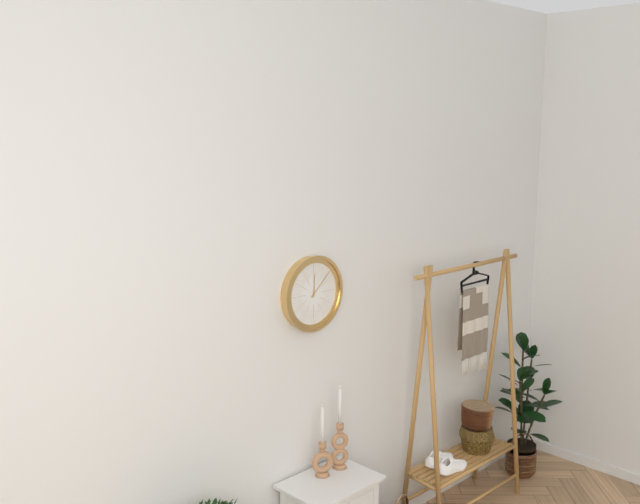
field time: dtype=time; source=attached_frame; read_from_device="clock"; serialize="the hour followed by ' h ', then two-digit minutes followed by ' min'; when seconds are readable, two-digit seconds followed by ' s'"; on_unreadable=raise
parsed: 12 h 08 min
